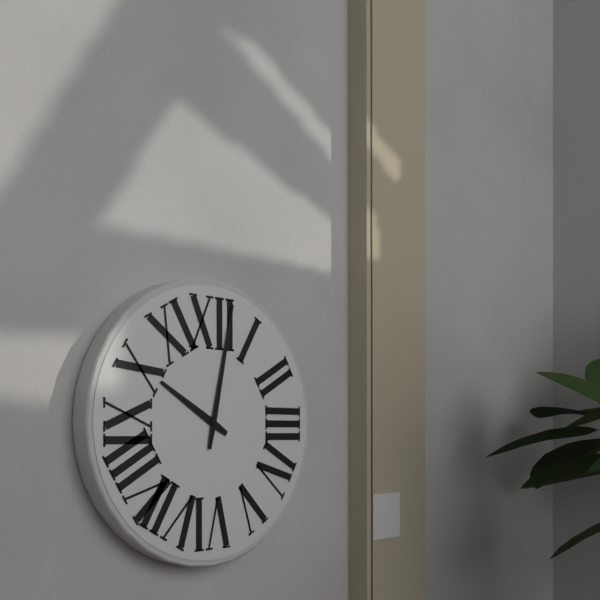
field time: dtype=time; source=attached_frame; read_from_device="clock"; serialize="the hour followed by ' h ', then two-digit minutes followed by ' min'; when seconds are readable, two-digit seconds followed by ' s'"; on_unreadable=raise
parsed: 10 h 02 min
